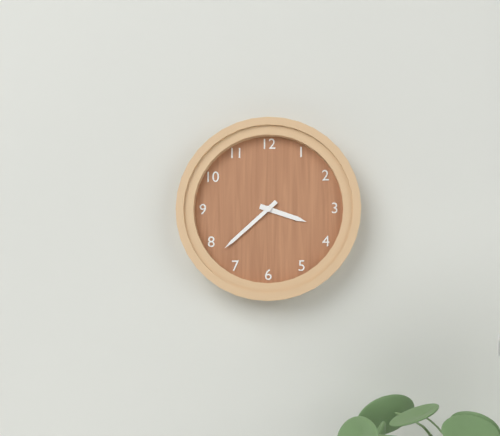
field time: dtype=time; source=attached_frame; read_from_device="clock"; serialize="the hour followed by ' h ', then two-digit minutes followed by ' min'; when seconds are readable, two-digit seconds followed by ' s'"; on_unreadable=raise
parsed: 3 h 38 min
